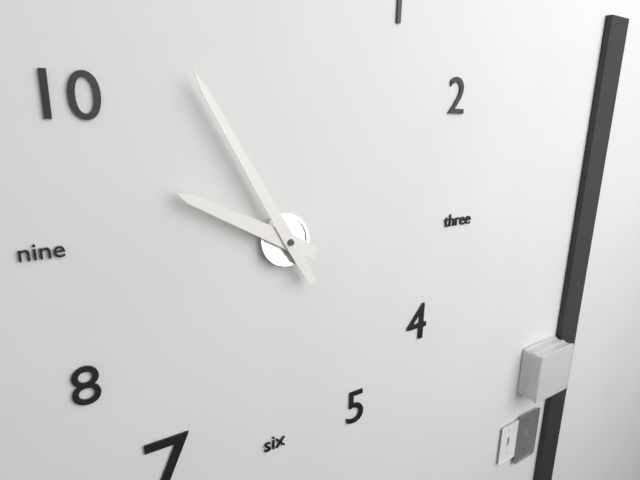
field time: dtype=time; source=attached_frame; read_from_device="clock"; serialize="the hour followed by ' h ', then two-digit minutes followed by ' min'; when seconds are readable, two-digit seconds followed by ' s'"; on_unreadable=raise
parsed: 9 h 55 min
